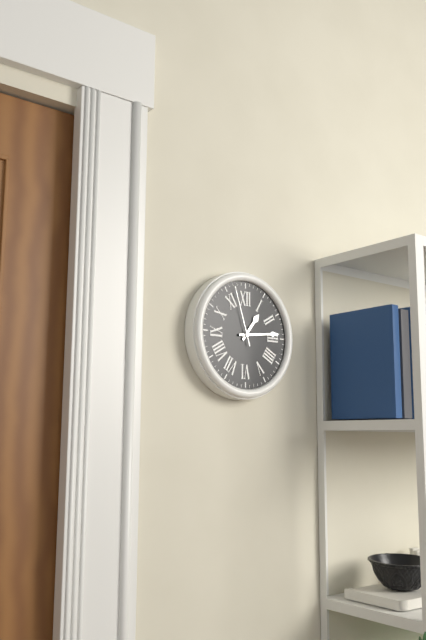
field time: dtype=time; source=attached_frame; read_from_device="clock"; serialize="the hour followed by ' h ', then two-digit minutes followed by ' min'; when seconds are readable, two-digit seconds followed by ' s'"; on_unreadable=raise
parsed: 1 h 14 min 57 s
